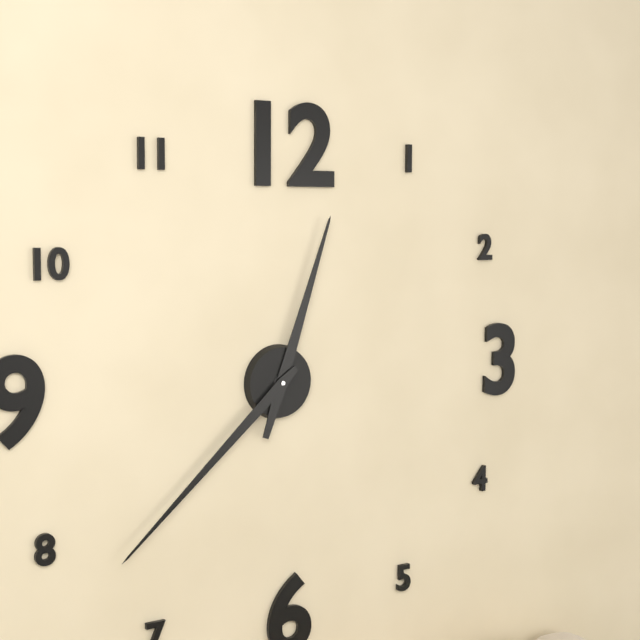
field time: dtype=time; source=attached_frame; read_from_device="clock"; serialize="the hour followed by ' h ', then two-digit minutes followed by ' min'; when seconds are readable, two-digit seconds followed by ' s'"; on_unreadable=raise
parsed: 12 h 38 min
